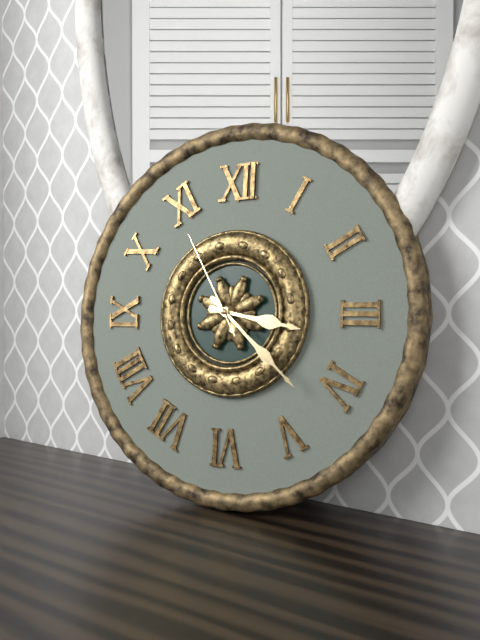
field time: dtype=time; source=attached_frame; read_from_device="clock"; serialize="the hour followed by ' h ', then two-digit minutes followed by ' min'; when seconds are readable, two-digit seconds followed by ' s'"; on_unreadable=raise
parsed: 3 h 22 min 55 s
